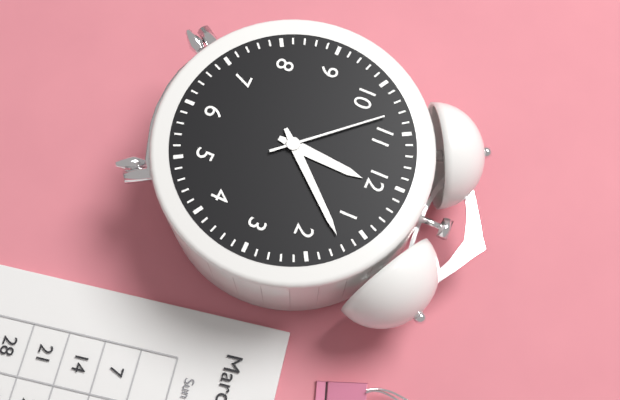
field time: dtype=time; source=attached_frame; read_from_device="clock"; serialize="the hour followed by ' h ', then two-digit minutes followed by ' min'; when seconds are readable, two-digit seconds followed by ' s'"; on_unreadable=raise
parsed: 12 h 07 min 53 s
